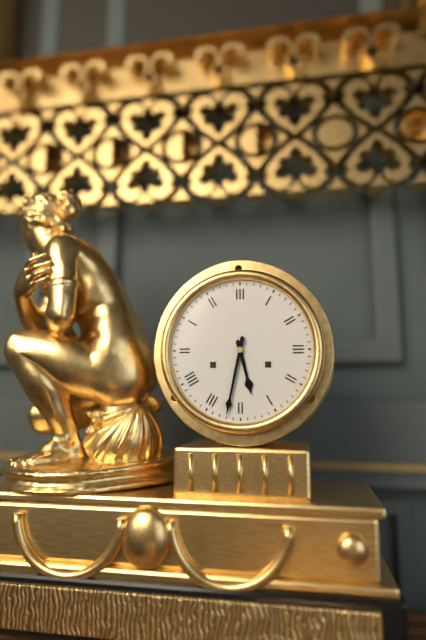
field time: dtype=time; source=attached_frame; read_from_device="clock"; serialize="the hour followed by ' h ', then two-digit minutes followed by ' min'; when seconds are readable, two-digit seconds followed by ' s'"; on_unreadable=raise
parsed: 5 h 32 min
